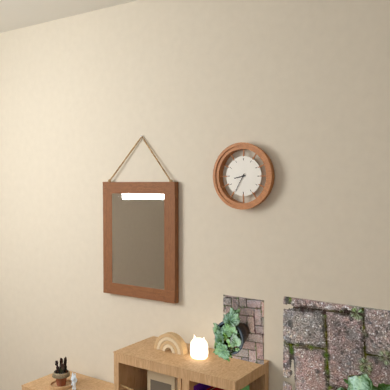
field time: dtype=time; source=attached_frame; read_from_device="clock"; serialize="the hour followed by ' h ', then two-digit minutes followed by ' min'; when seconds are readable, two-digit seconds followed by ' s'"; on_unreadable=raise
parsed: 8 h 35 min
